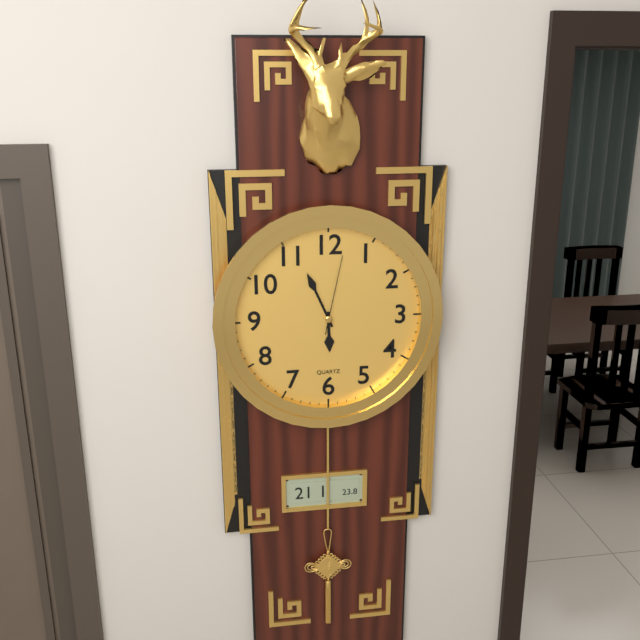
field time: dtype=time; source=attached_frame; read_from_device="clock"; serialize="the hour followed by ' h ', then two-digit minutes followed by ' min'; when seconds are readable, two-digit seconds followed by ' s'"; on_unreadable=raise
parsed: 5 h 56 min 02 s
